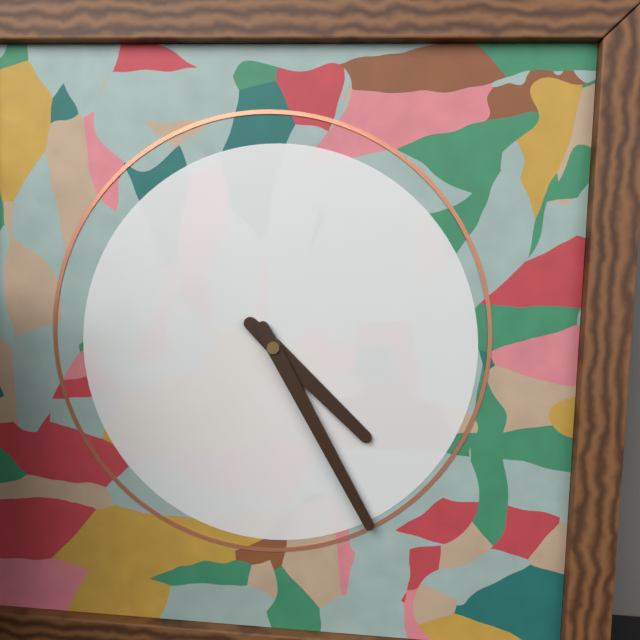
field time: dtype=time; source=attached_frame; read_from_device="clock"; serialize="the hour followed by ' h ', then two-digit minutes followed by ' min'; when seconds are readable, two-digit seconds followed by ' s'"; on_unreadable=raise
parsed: 4 h 25 min
